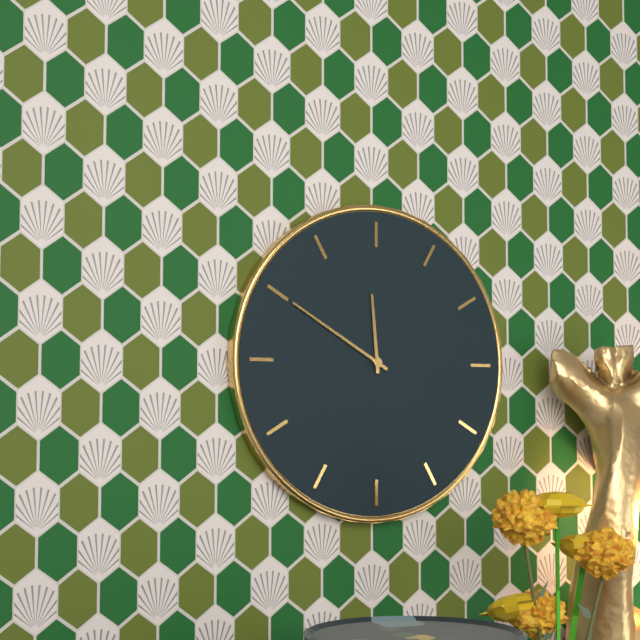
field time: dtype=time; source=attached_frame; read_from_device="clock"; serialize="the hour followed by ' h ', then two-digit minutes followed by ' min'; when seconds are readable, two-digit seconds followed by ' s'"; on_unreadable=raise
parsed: 11 h 50 min
